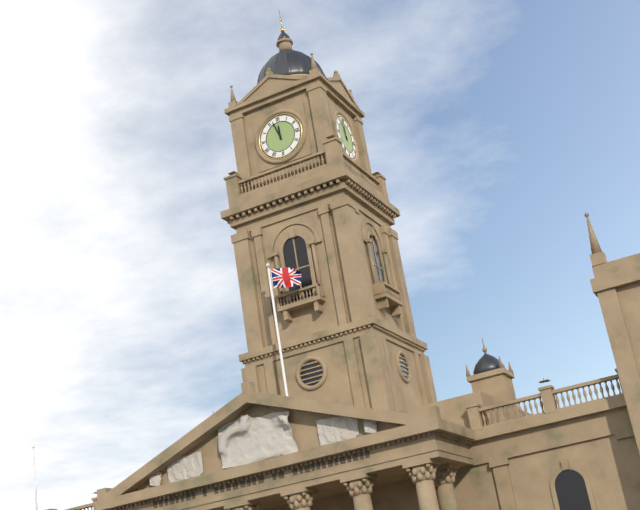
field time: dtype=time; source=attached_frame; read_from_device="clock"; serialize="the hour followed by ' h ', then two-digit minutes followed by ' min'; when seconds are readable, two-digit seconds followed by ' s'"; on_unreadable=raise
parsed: 11 h 57 min
